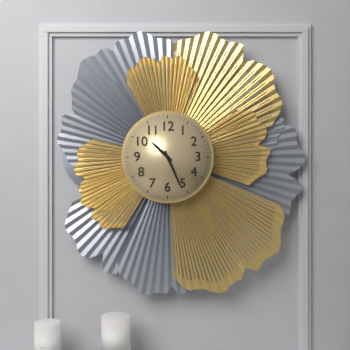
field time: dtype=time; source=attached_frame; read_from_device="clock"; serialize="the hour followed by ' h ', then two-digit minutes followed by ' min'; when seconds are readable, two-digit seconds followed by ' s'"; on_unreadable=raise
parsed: 10 h 26 min
